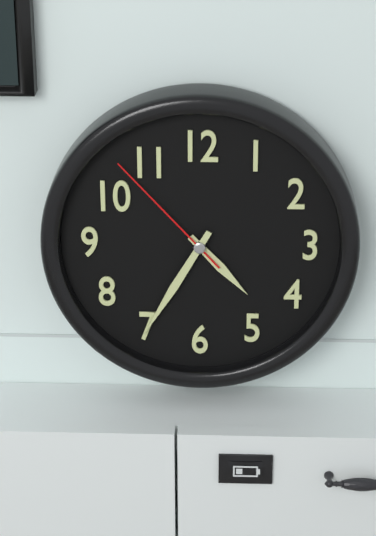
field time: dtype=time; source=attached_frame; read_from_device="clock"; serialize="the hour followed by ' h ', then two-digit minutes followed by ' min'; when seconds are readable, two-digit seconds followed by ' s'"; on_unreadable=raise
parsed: 4 h 35 min 53 s
